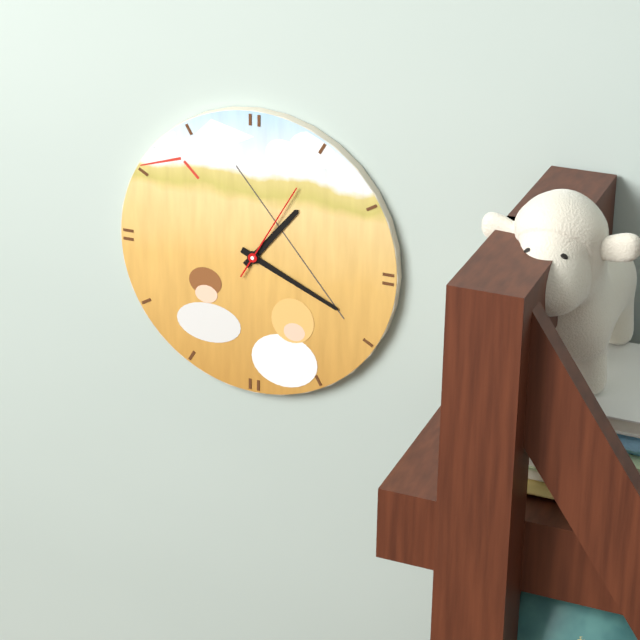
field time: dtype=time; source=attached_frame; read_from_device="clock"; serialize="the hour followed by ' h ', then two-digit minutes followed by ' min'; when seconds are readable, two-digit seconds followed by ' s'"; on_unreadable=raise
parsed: 1 h 19 min 05 s
